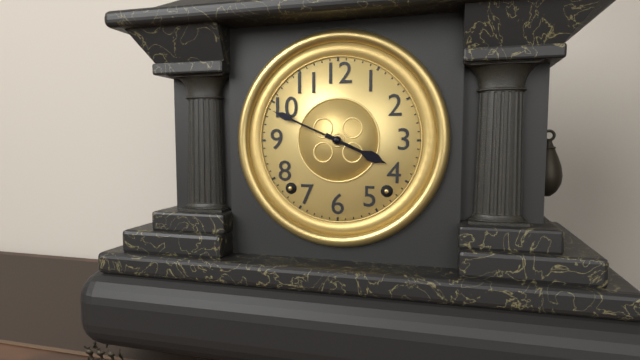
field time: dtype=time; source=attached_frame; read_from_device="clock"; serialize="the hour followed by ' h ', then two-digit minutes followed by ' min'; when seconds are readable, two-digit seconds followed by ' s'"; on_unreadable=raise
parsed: 3 h 49 min
